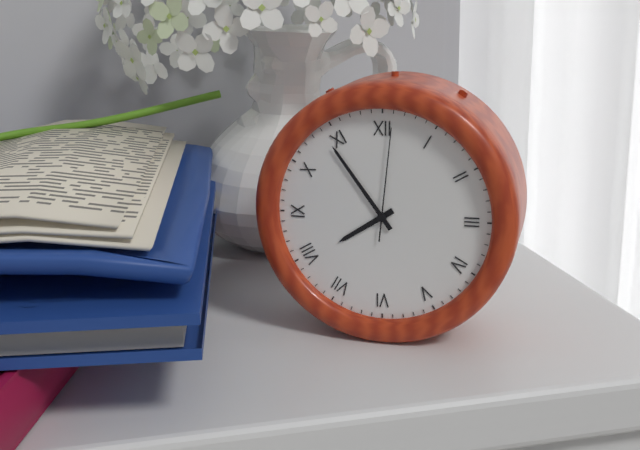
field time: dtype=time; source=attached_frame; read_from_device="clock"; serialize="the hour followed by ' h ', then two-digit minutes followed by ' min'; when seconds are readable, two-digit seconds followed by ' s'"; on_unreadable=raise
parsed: 7 h 54 min 01 s
